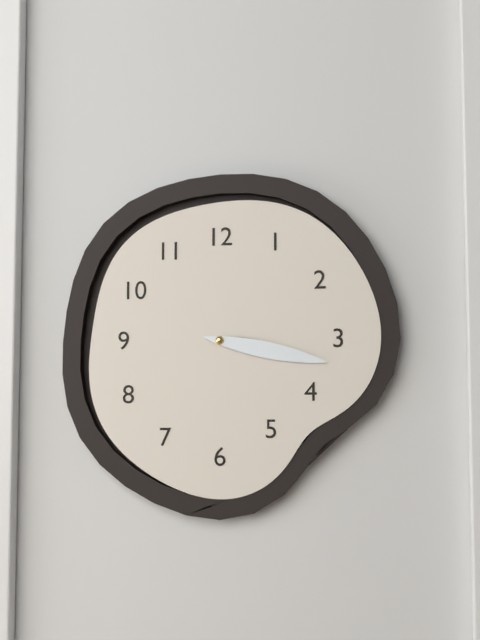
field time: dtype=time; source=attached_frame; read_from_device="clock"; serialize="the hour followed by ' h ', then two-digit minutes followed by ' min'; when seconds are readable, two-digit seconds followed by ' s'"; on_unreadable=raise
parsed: 3 h 17 min
